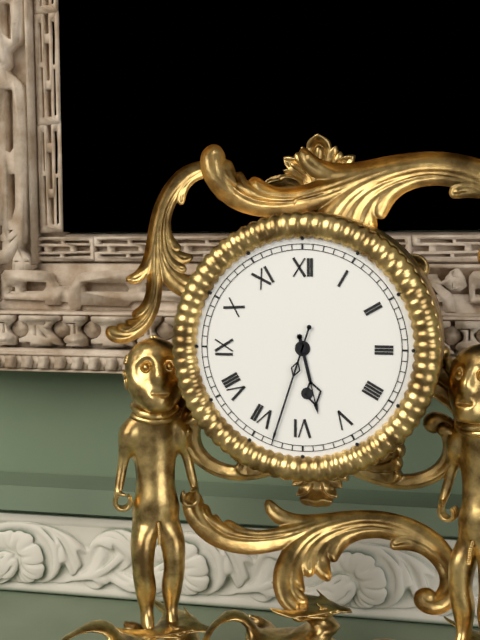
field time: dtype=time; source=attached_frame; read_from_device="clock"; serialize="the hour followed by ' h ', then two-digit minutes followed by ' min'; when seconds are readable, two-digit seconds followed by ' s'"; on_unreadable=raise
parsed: 5 h 33 min
